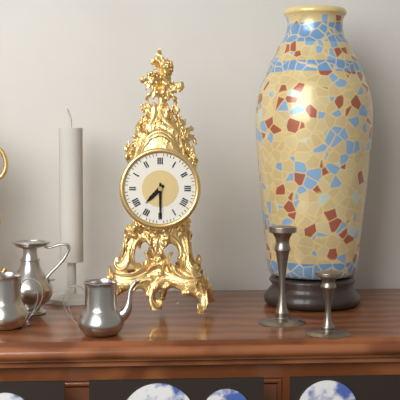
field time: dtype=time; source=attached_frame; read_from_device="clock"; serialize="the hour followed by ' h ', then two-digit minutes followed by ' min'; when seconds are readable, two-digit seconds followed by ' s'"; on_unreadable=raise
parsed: 7 h 30 min
